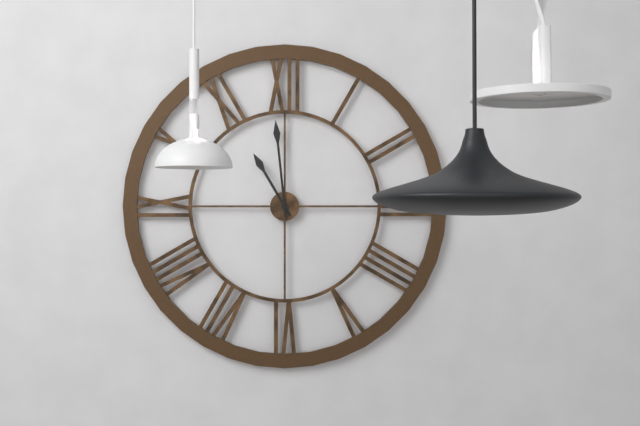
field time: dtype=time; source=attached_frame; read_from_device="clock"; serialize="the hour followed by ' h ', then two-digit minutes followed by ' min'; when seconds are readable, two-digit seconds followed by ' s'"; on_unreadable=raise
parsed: 10 h 59 min
